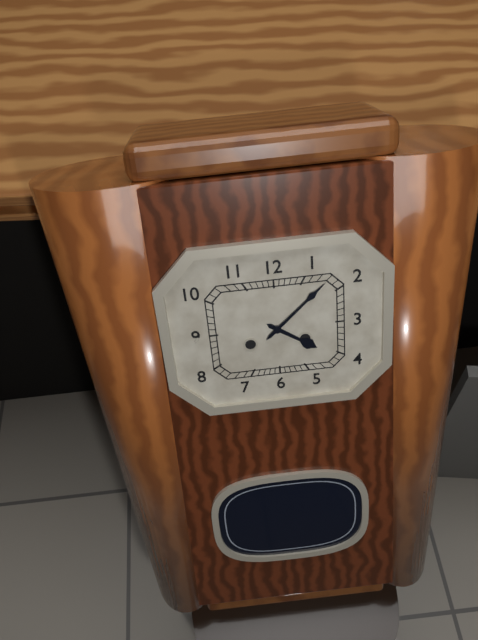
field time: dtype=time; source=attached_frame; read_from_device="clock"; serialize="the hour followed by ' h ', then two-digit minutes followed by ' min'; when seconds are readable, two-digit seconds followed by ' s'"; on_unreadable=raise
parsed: 4 h 08 min
